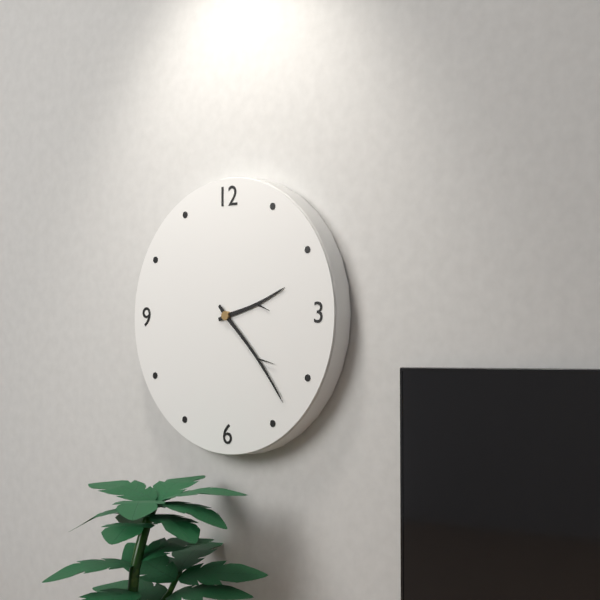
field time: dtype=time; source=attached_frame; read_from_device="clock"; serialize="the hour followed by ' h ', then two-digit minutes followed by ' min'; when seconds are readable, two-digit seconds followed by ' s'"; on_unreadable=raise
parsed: 2 h 23 min
